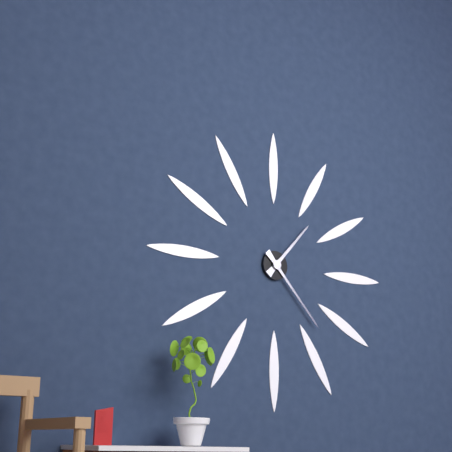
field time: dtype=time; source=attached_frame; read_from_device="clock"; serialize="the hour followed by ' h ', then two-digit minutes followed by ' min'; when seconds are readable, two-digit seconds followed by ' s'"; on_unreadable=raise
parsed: 1 h 23 min
